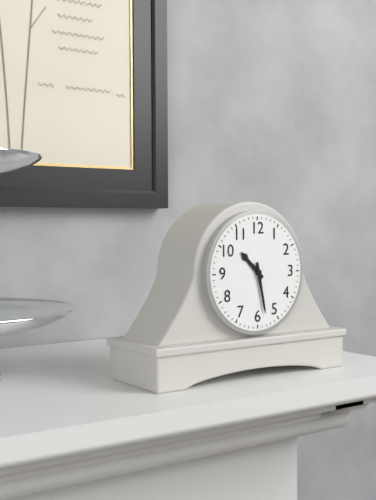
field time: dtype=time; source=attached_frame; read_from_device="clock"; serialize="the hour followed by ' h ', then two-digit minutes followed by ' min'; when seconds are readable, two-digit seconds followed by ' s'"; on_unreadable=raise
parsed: 10 h 28 min
